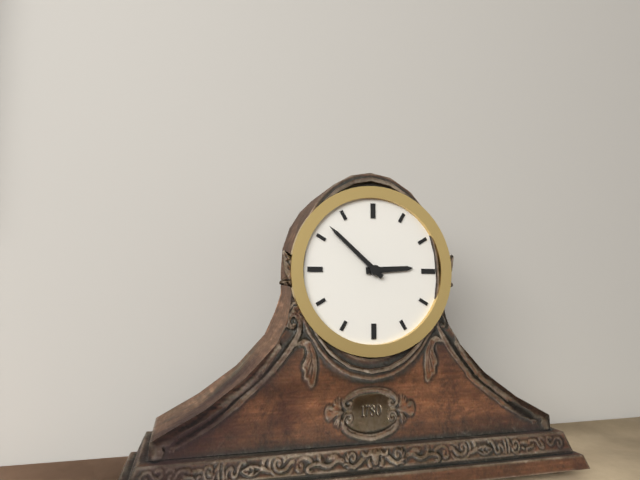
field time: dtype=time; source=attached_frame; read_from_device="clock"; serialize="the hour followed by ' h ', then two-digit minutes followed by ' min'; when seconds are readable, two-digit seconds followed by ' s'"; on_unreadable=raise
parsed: 2 h 52 min
